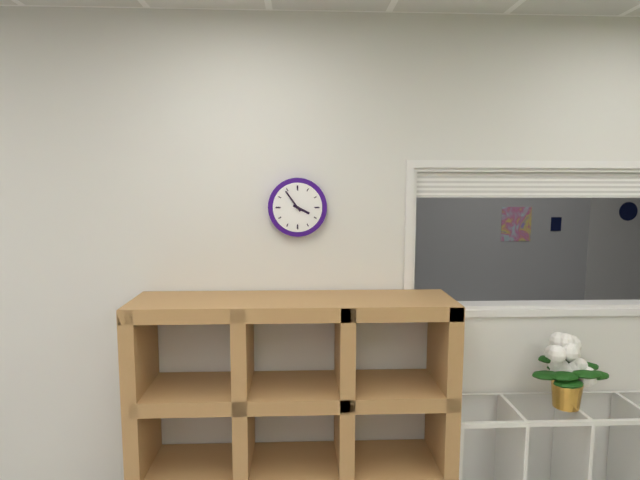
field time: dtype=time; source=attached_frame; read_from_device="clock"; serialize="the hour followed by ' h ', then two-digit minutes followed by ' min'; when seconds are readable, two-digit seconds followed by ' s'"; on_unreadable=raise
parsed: 3 h 54 min
